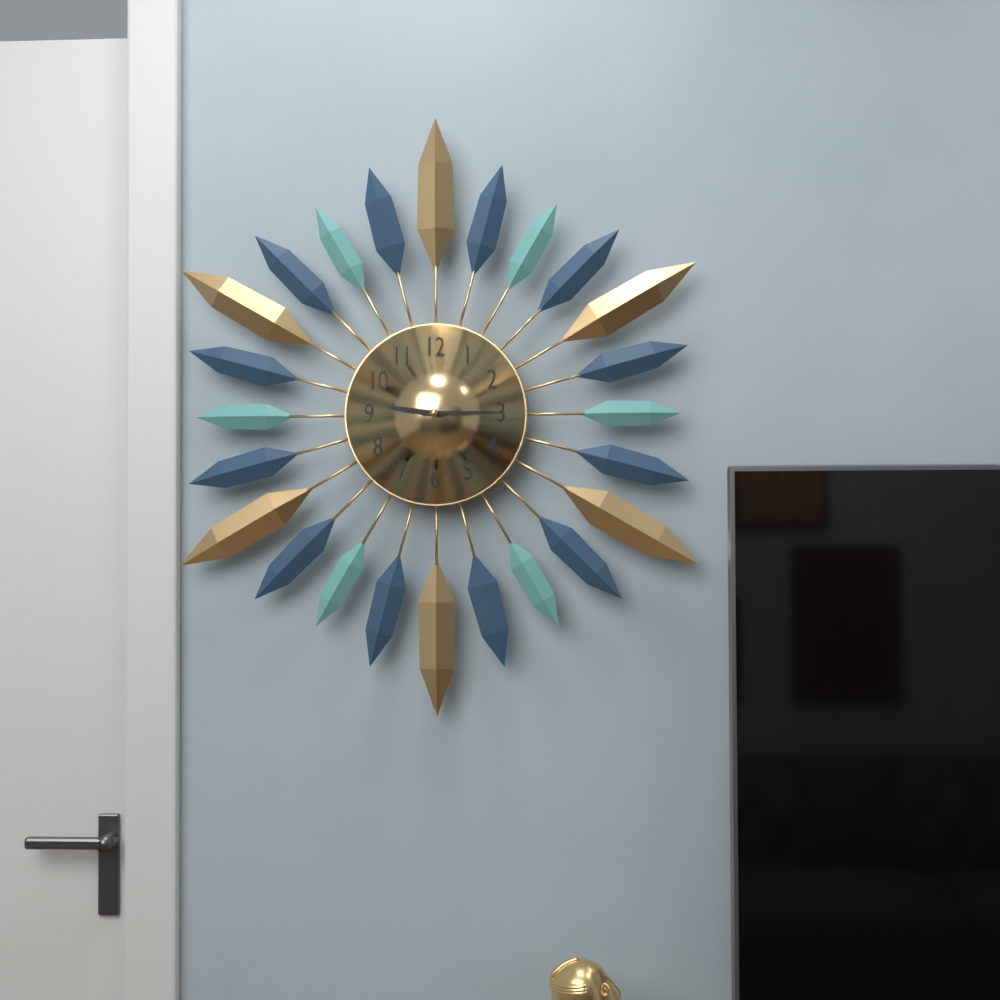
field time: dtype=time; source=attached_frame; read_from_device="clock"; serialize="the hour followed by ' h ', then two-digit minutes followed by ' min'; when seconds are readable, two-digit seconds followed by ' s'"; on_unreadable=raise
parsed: 9 h 15 min
